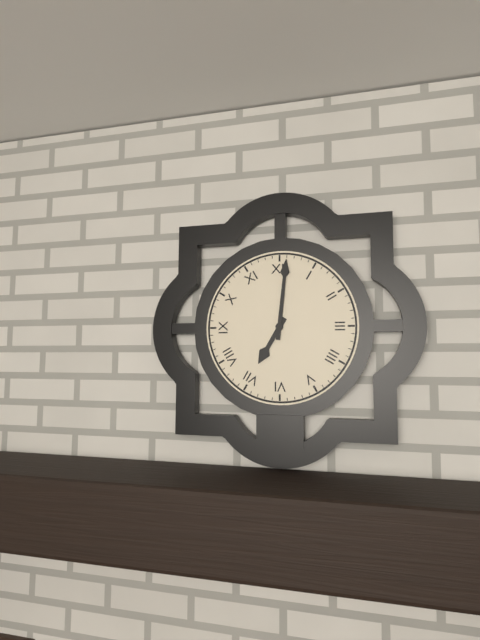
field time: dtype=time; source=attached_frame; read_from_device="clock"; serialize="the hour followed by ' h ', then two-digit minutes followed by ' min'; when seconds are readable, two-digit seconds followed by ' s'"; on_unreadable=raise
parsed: 7 h 01 min
